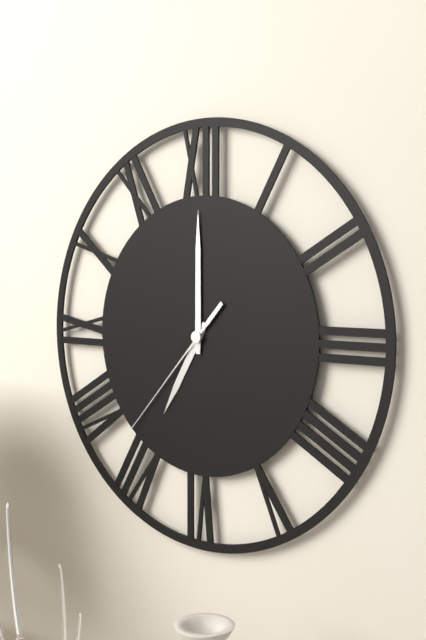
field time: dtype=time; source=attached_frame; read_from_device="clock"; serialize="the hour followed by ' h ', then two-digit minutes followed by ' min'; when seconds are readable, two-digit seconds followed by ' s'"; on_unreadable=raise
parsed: 7 h 00 min 37 s
